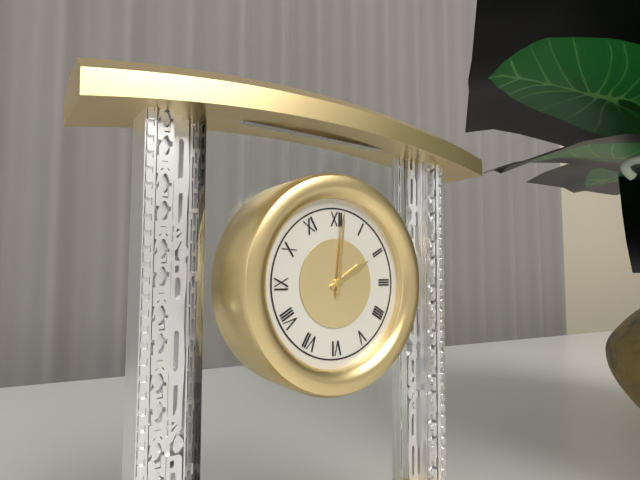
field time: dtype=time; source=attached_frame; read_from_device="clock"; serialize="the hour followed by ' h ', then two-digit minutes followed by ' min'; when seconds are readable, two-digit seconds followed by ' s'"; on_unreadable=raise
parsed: 2 h 01 min
